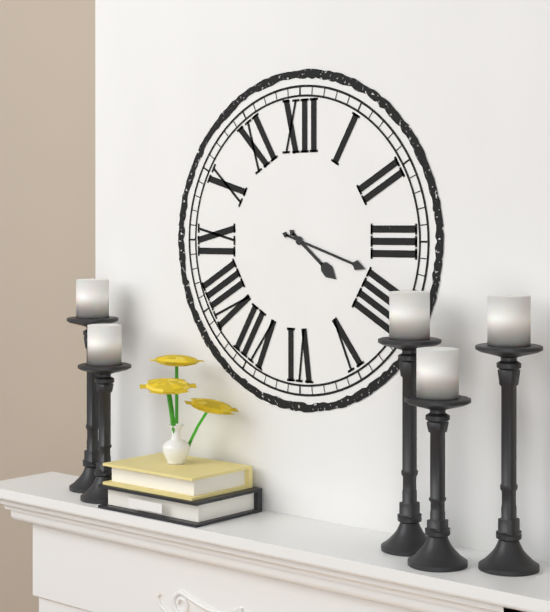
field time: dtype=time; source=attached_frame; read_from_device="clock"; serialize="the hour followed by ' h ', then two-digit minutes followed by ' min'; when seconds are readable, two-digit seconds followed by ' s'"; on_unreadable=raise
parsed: 4 h 18 min
